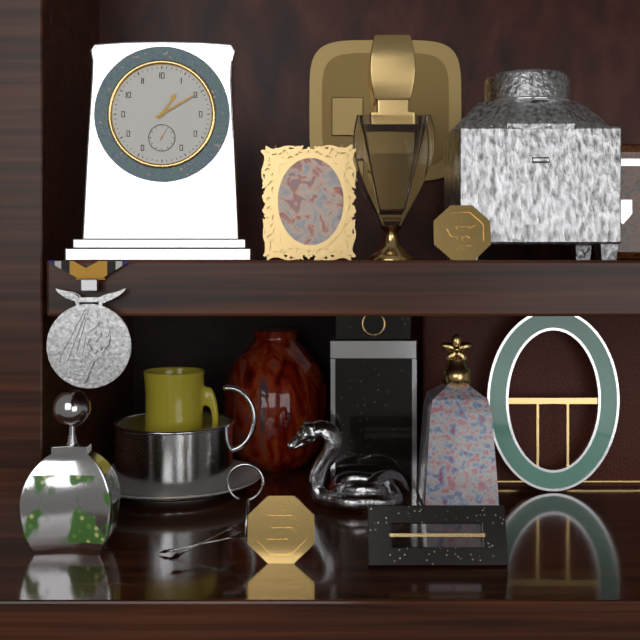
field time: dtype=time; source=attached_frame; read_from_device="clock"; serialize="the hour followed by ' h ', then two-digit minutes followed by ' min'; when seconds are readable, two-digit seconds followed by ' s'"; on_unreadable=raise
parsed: 1 h 10 min
